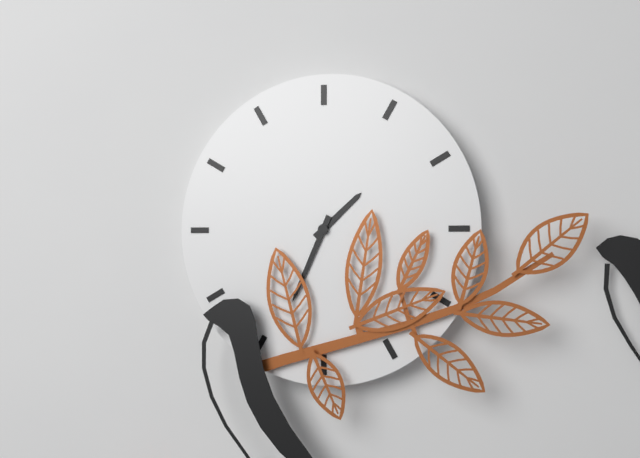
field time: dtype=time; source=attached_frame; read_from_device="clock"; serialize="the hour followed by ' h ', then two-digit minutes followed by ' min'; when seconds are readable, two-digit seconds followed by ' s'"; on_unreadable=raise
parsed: 1 h 34 min
